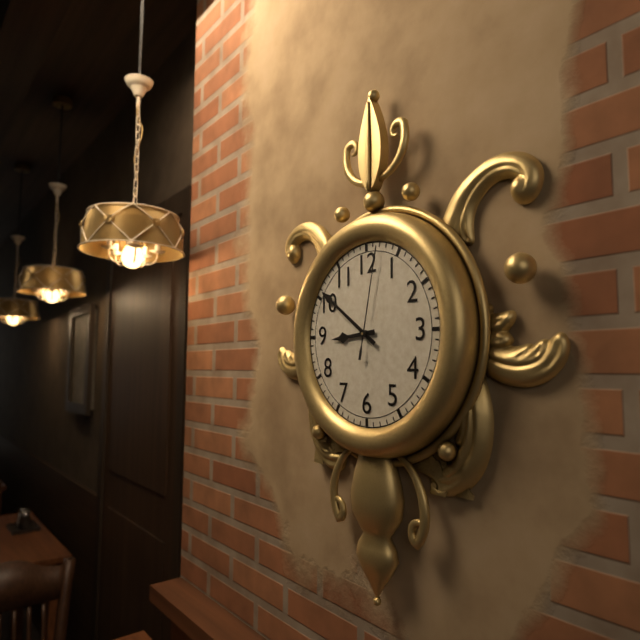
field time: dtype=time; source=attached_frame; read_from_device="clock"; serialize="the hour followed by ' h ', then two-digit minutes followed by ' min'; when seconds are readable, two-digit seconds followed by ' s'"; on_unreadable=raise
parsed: 8 h 51 min 02 s
